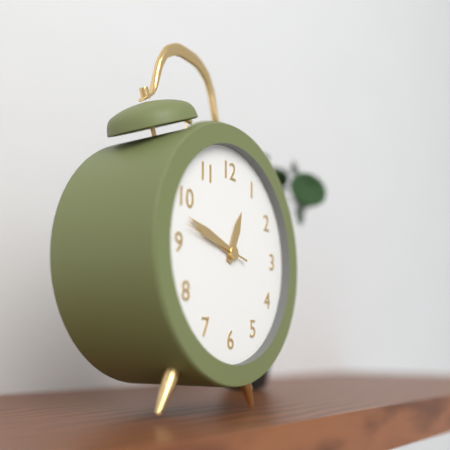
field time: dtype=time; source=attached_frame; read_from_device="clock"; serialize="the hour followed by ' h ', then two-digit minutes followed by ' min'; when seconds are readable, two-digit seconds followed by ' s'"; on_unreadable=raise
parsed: 12 h 48 min 47 s
